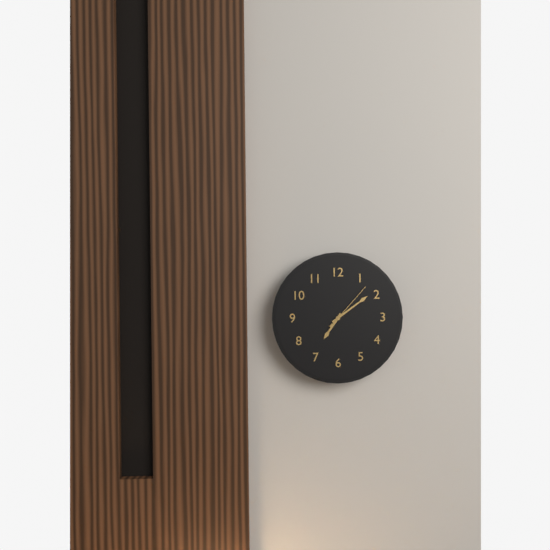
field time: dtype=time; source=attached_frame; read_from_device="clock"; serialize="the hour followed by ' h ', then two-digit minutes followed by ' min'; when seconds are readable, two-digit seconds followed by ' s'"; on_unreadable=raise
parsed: 7 h 09 min 07 s
